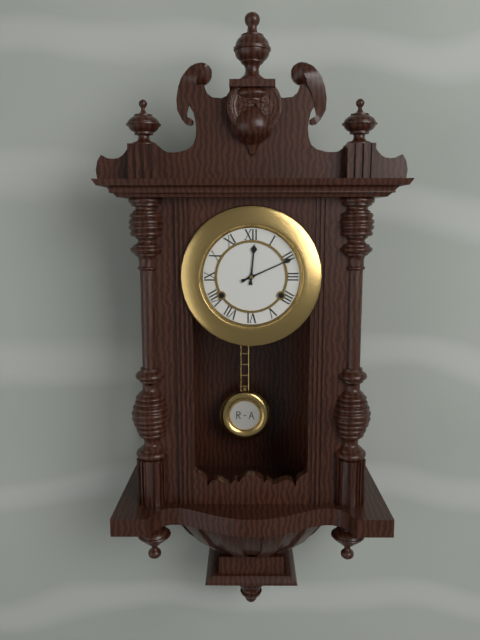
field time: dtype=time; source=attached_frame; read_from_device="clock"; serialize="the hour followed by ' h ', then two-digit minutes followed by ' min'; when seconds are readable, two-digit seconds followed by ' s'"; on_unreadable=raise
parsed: 12 h 11 min
